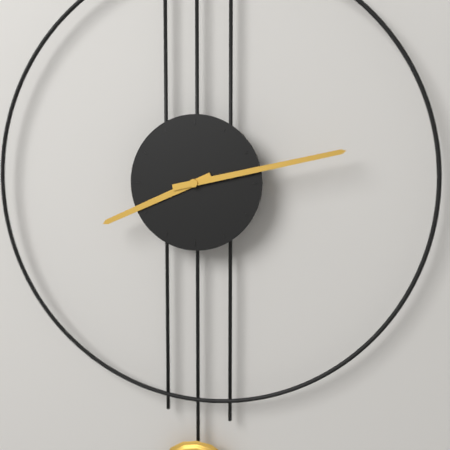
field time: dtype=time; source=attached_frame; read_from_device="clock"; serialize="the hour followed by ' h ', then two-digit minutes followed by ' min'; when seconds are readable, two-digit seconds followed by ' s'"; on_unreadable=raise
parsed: 8 h 13 min
